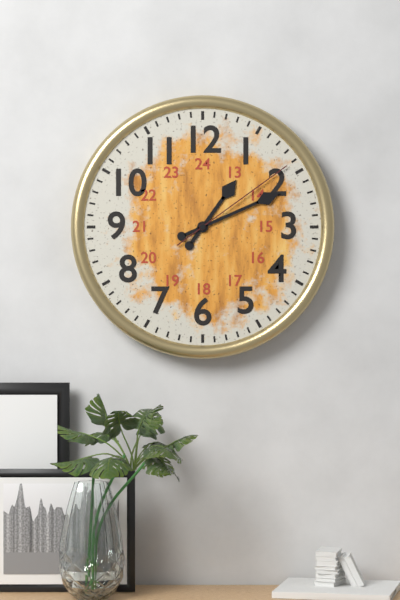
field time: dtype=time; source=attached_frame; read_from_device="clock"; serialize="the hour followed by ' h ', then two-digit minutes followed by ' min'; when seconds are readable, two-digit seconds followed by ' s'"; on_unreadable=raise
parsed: 1 h 11 min 09 s
